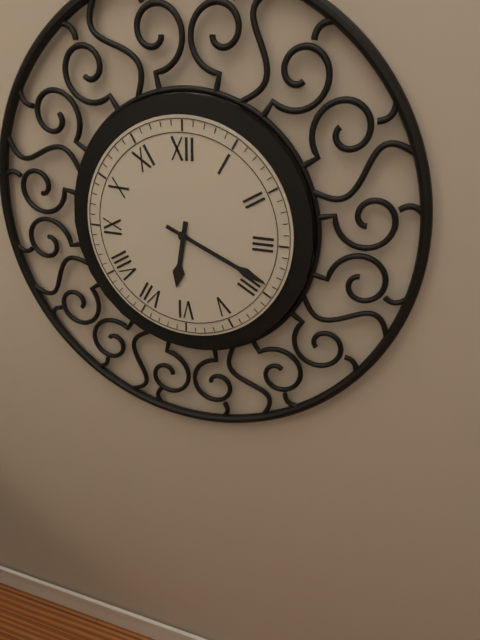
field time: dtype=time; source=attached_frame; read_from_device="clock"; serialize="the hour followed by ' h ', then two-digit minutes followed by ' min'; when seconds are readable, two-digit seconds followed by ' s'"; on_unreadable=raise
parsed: 6 h 19 min
